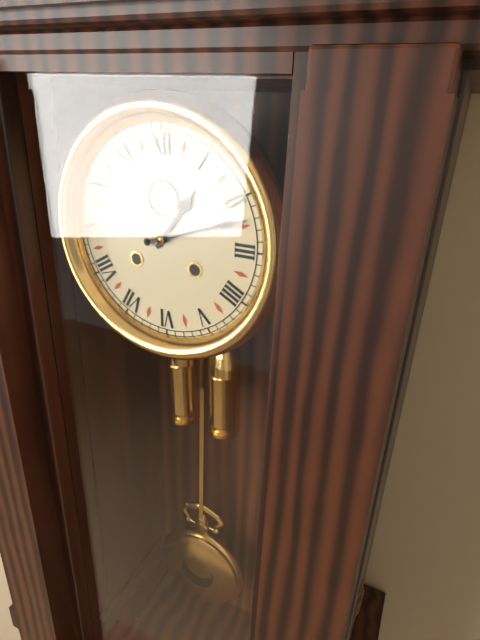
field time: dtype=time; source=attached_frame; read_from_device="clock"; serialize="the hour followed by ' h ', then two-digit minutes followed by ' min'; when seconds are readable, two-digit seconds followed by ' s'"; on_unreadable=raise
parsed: 1 h 12 min
